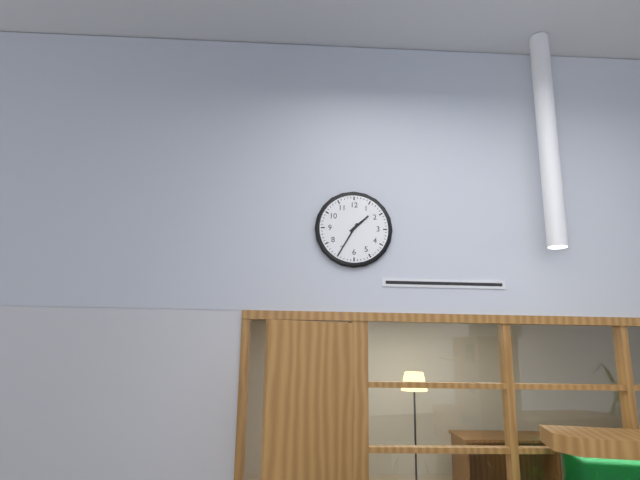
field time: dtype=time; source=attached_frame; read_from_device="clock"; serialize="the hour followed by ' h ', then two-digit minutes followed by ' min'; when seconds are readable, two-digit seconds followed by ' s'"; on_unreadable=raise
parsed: 1 h 35 min
